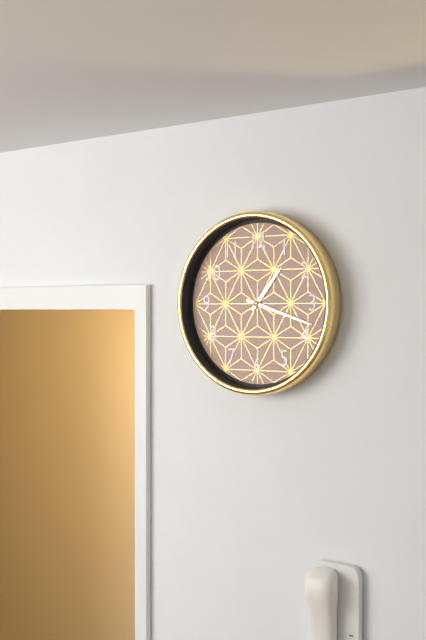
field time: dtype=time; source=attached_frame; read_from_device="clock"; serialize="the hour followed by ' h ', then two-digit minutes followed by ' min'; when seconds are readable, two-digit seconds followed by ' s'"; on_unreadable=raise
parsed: 1 h 18 min
